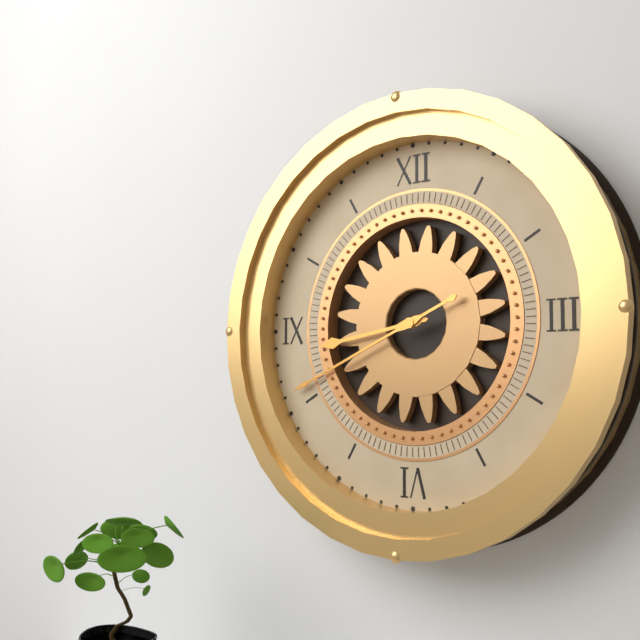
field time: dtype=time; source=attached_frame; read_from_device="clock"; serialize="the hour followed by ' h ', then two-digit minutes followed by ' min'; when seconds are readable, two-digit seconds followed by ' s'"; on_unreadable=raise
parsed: 8 h 41 min
